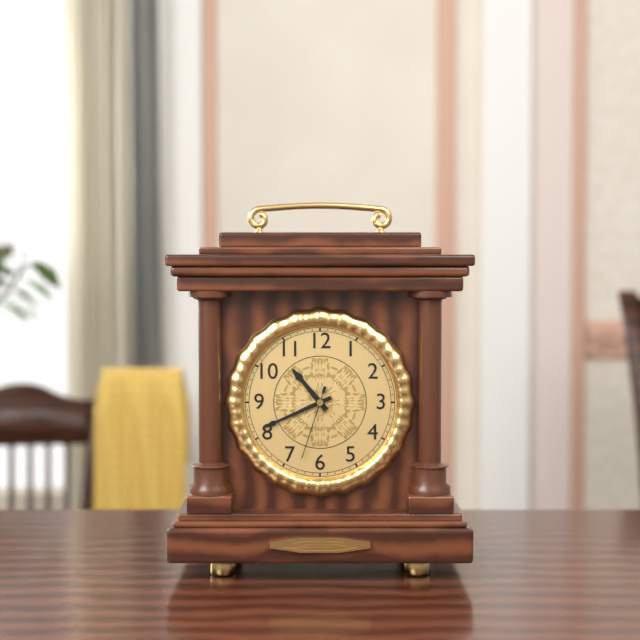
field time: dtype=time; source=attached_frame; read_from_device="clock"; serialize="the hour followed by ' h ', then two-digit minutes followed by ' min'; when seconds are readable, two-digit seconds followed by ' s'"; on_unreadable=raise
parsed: 10 h 41 min 33 s
